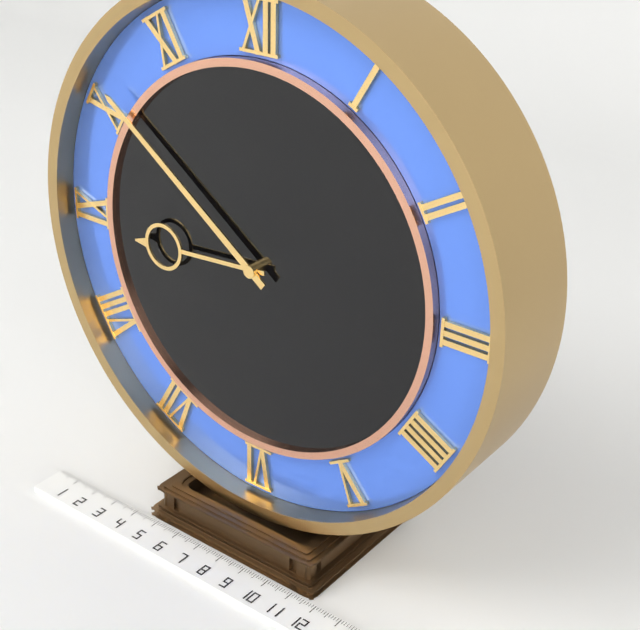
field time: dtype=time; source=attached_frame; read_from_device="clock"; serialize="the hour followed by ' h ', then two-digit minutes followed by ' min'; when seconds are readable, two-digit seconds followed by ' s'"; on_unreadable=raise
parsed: 8 h 51 min
